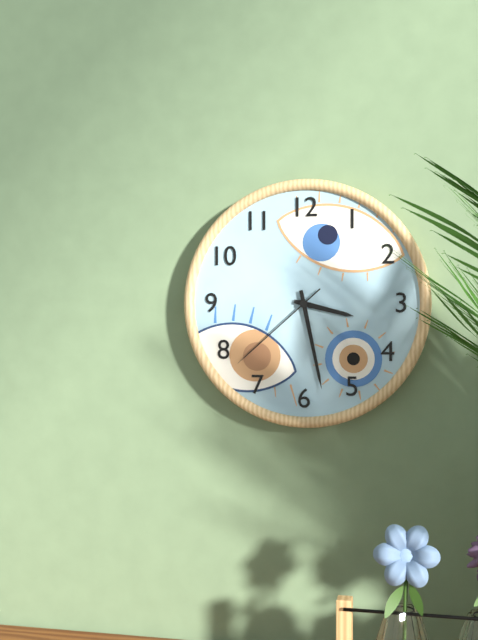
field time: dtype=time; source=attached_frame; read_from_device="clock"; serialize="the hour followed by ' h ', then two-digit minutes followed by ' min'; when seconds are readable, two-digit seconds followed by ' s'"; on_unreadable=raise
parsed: 3 h 28 min 38 s
